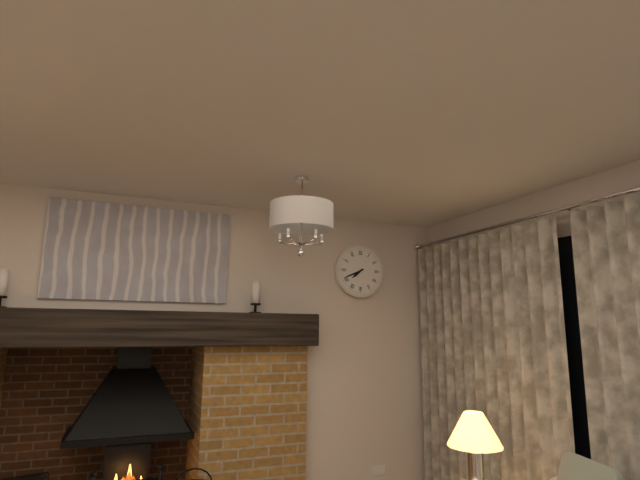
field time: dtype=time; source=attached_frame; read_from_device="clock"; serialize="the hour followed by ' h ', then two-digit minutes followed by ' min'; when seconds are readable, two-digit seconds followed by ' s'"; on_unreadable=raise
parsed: 7 h 41 min
